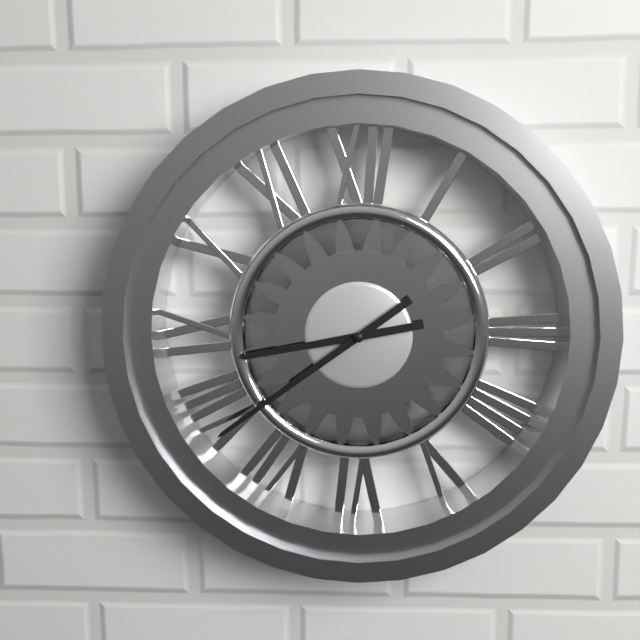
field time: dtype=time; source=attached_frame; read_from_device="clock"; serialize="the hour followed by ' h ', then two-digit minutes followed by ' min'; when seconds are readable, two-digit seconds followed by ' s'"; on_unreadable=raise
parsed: 8 h 39 min
